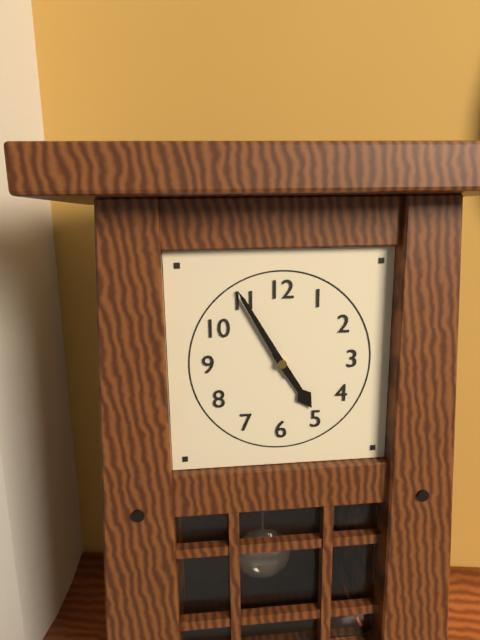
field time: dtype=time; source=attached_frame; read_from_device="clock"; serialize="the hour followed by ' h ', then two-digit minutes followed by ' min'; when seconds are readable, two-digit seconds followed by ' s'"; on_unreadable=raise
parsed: 4 h 55 min
